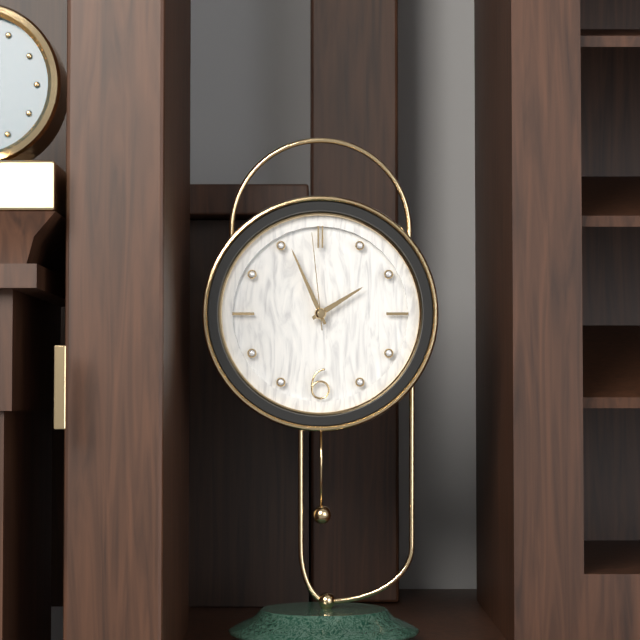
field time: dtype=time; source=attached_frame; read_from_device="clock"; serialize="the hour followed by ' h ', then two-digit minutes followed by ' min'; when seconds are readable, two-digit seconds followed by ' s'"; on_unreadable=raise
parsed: 1 h 56 min 59 s
